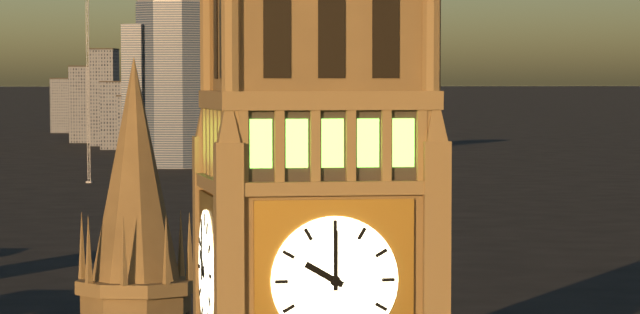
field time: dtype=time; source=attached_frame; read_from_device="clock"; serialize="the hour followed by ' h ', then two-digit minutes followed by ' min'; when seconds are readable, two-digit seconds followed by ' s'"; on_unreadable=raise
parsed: 10 h 00 min
